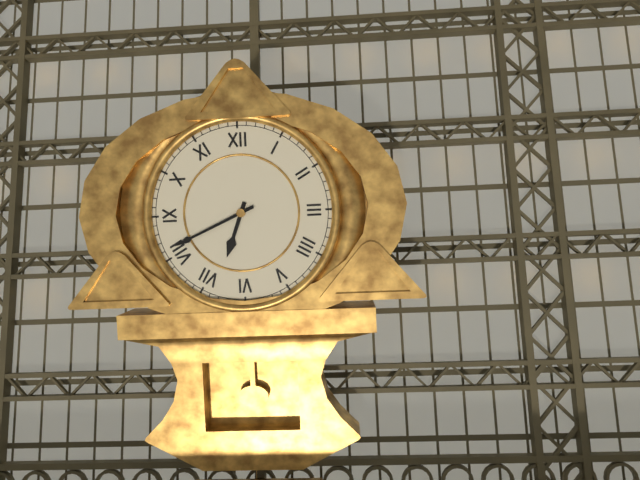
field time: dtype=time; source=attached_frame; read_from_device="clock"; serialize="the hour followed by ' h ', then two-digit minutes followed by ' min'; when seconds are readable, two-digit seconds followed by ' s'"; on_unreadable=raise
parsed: 6 h 41 min
